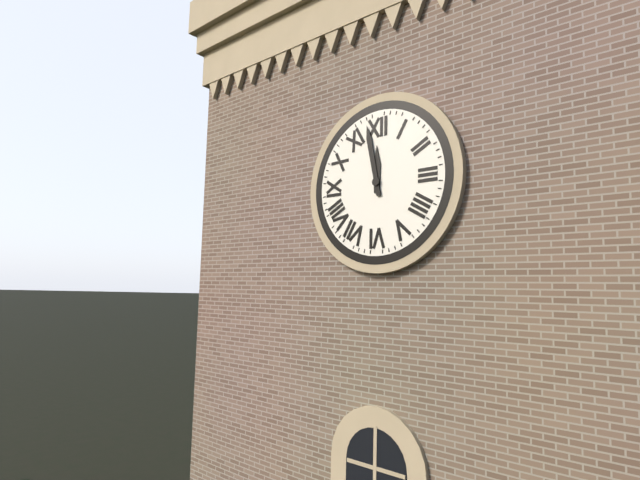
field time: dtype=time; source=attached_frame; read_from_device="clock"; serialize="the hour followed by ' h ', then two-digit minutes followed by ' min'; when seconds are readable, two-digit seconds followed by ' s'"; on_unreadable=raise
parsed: 11 h 58 min
